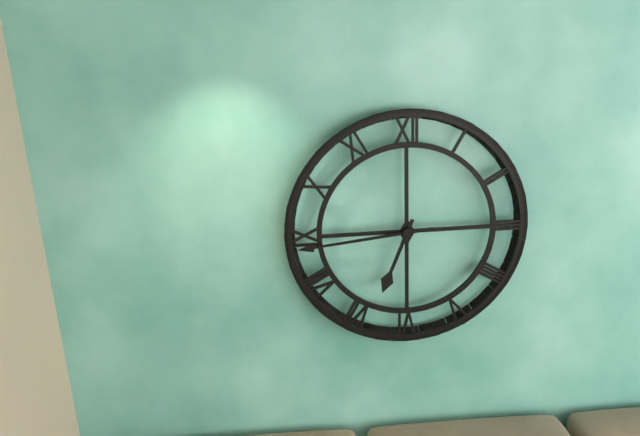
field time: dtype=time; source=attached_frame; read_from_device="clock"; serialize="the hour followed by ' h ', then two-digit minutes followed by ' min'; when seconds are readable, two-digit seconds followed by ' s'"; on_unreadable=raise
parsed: 6 h 44 min
